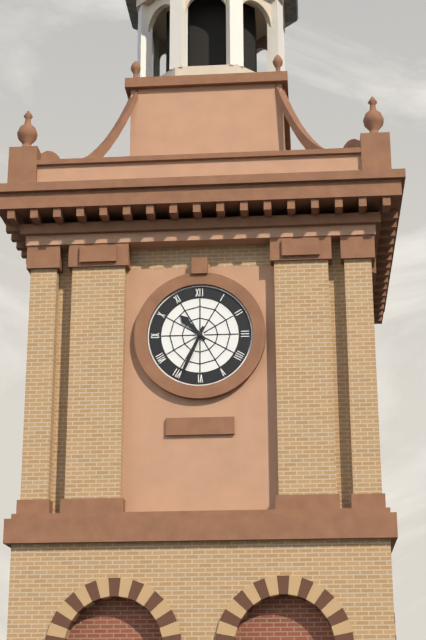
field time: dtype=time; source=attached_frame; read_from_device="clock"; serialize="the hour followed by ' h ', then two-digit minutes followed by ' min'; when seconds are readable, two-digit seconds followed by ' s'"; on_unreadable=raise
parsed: 10 h 34 min
